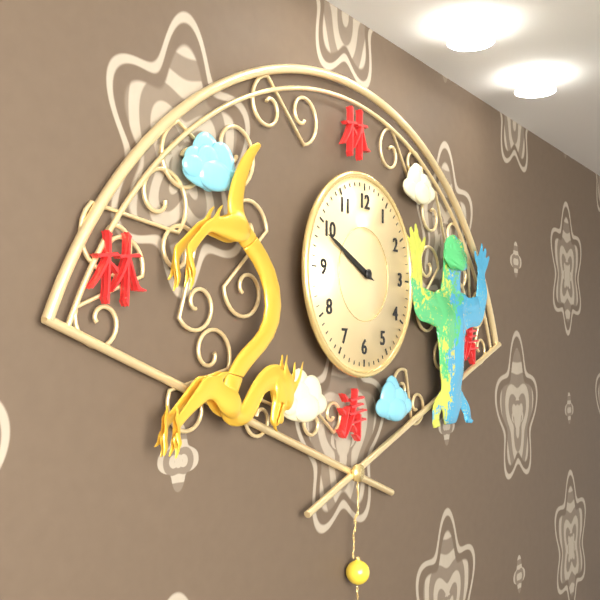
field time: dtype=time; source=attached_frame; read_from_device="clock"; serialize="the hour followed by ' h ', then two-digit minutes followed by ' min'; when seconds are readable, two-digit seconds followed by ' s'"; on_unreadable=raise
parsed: 9 h 49 min
